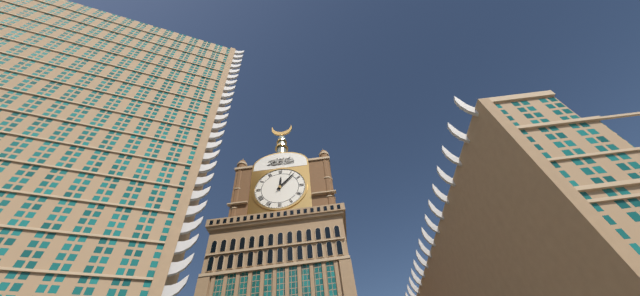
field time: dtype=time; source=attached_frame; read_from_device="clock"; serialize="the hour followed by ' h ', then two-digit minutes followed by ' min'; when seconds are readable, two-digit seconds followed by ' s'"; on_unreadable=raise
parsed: 12 h 07 min
